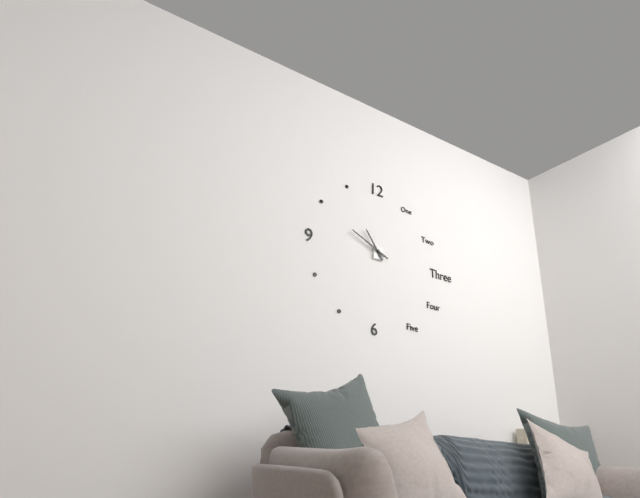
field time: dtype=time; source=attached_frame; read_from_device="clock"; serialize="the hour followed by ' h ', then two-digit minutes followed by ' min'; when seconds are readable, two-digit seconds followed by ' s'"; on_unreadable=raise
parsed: 10 h 49 min
